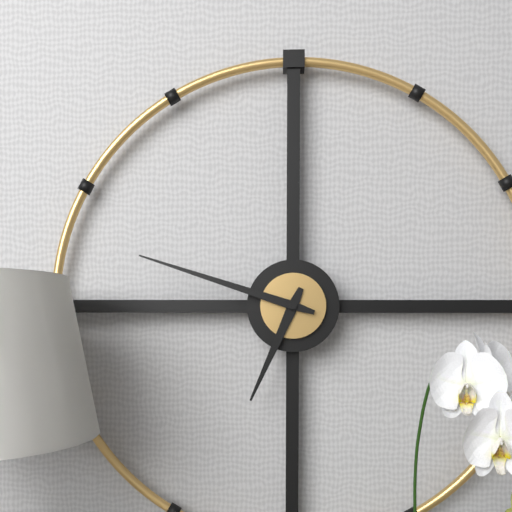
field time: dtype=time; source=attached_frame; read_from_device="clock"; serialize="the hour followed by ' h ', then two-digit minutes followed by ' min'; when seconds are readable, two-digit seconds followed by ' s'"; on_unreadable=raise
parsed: 6 h 48 min
